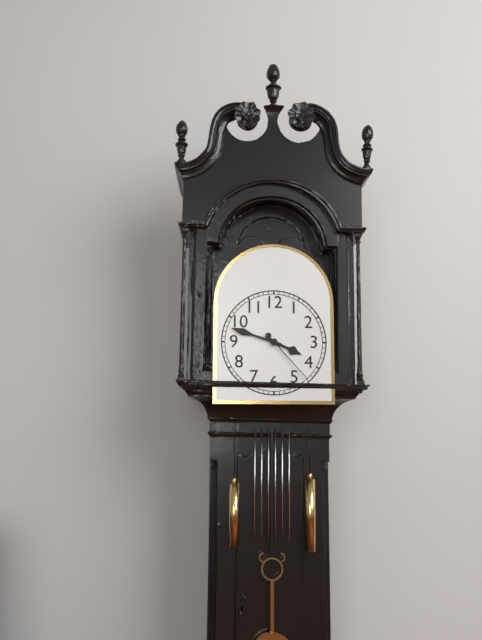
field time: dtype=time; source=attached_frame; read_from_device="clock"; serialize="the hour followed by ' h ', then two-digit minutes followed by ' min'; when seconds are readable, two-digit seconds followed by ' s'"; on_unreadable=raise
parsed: 3 h 48 min 23 s
